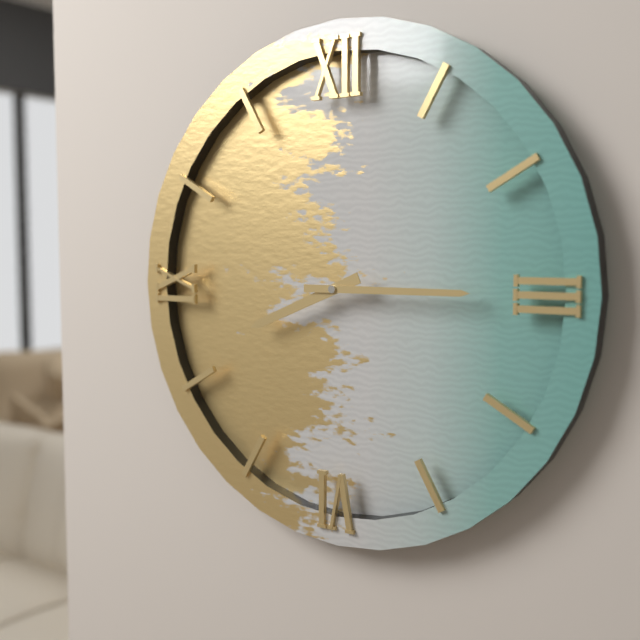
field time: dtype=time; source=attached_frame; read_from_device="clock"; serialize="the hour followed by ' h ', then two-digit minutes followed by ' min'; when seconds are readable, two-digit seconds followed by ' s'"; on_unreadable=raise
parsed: 8 h 15 min
